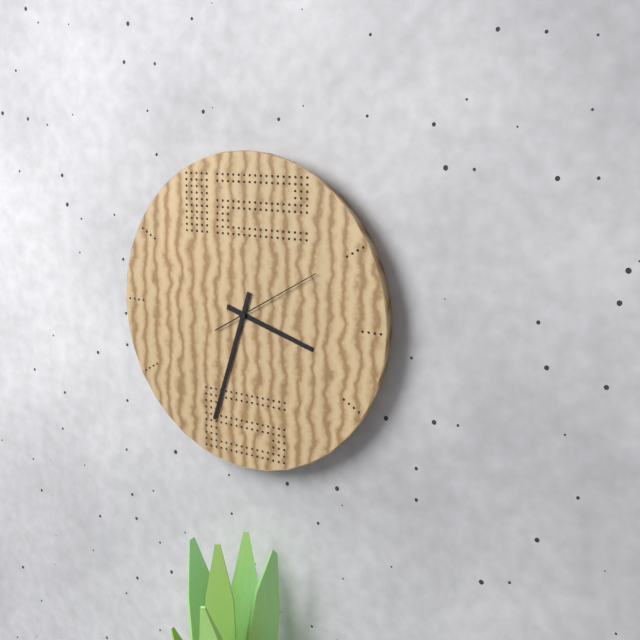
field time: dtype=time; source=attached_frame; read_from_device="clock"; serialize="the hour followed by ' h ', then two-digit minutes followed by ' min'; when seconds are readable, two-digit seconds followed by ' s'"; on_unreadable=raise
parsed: 3 h 33 min 10 s
